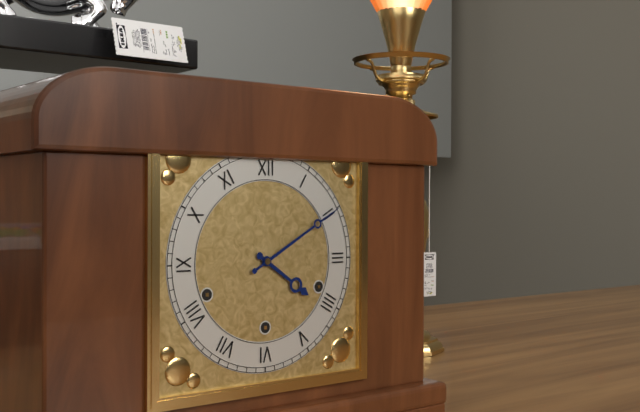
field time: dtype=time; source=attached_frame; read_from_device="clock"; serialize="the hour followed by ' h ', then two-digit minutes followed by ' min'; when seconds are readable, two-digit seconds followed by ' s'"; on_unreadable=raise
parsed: 4 h 10 min
